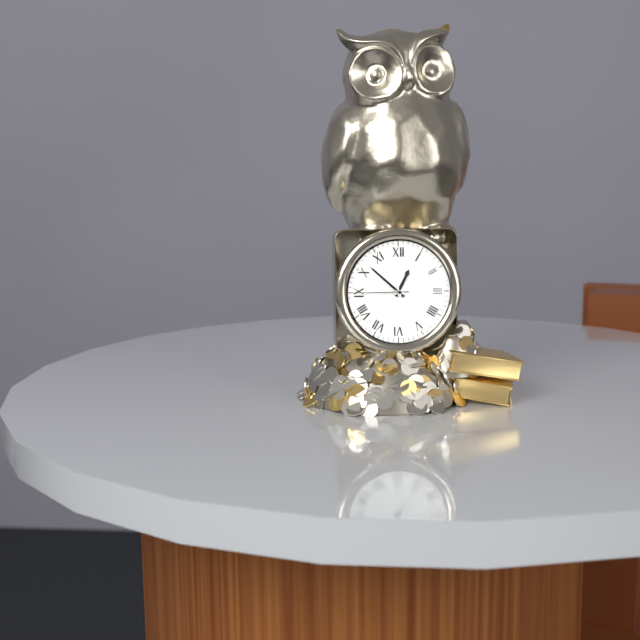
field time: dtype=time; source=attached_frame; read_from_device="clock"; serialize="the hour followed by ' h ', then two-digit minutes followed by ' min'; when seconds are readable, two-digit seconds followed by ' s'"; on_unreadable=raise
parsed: 12 h 52 min
